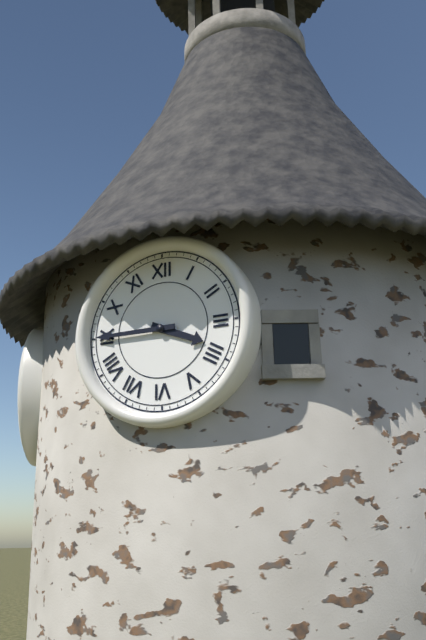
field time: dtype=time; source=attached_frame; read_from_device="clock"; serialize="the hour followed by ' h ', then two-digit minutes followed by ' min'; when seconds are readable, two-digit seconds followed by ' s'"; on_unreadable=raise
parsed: 3 h 45 min
